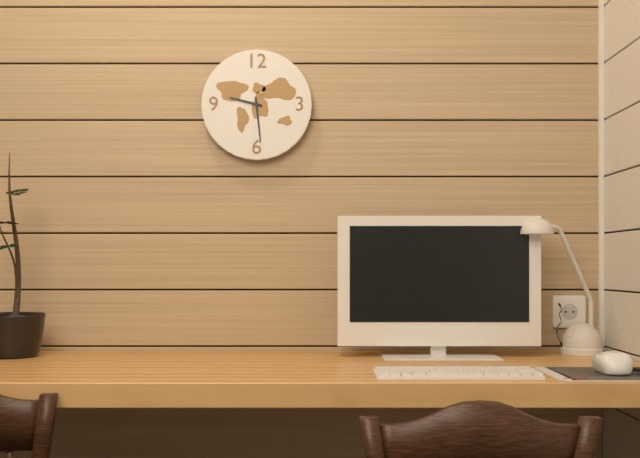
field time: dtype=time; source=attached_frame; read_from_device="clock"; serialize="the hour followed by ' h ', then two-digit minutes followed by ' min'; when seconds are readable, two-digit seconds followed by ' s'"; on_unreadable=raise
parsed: 9 h 29 min
